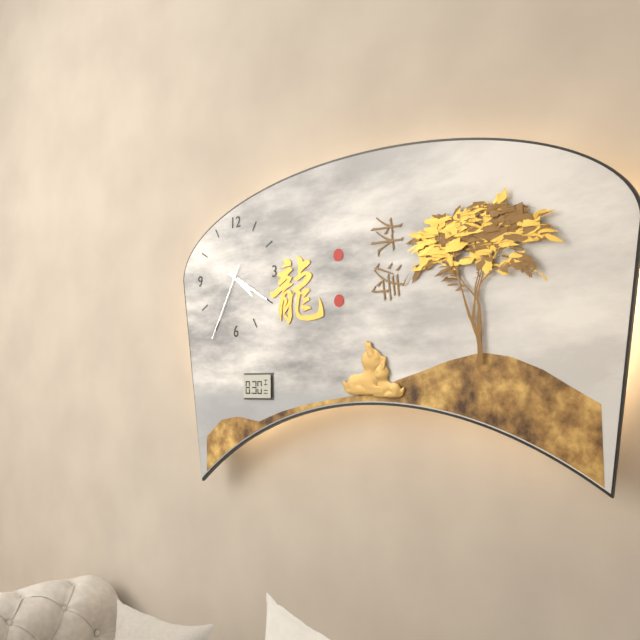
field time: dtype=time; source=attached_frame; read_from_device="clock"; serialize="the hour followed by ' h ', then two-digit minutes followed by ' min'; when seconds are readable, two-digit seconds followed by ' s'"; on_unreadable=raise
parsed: 4 h 20 min 35 s
